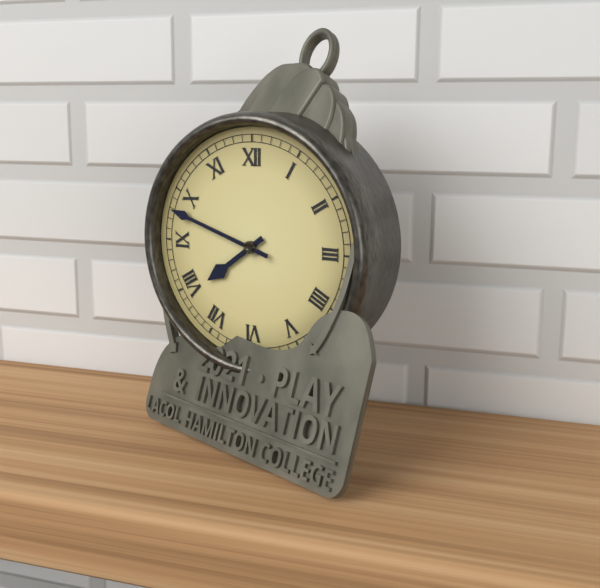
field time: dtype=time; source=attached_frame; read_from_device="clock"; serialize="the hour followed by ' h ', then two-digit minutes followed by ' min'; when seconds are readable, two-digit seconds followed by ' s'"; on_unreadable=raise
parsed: 7 h 48 min
